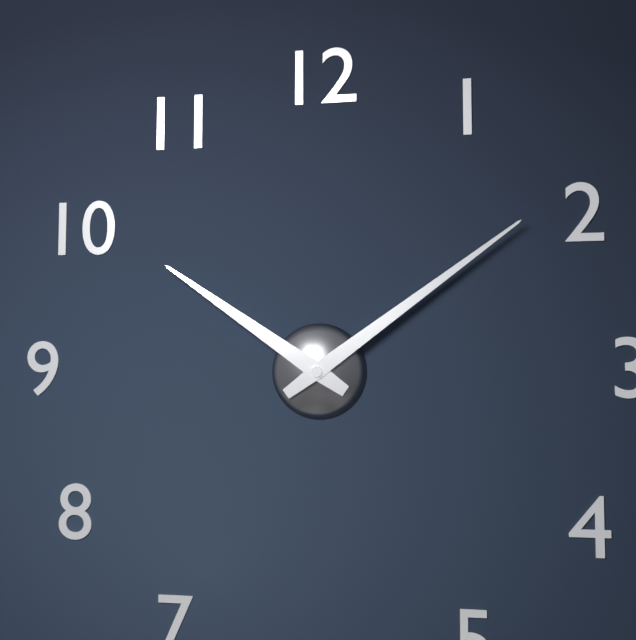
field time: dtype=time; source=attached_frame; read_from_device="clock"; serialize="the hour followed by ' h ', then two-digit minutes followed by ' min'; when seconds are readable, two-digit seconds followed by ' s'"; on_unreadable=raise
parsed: 10 h 09 min
